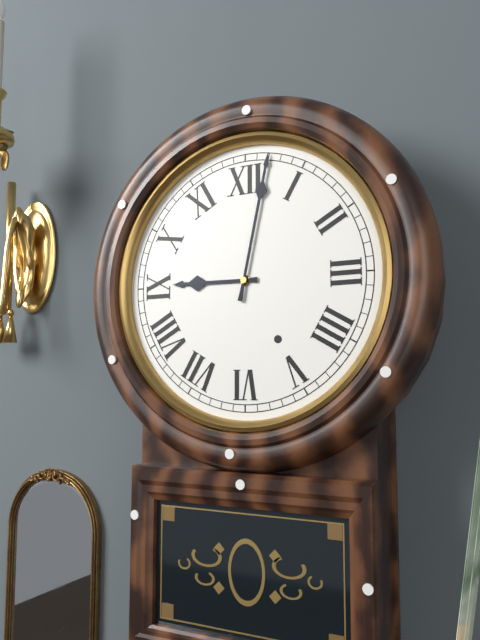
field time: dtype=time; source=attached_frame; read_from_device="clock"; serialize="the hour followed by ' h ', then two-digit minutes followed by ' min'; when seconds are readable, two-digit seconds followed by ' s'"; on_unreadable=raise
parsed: 9 h 02 min
